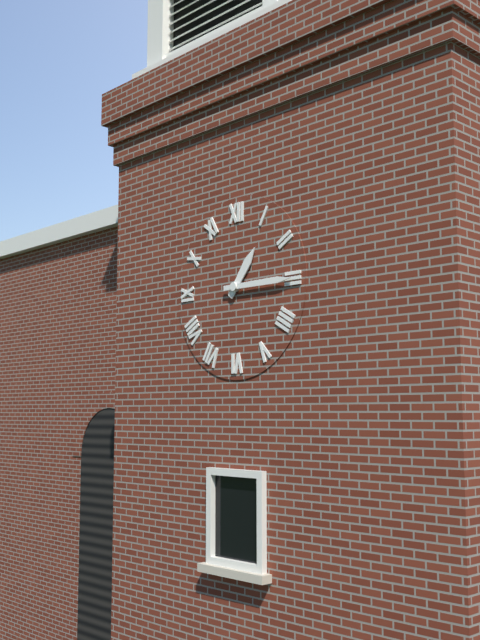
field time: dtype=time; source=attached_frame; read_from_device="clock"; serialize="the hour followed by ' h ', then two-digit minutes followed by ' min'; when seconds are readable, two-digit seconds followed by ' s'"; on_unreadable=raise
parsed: 1 h 15 min
